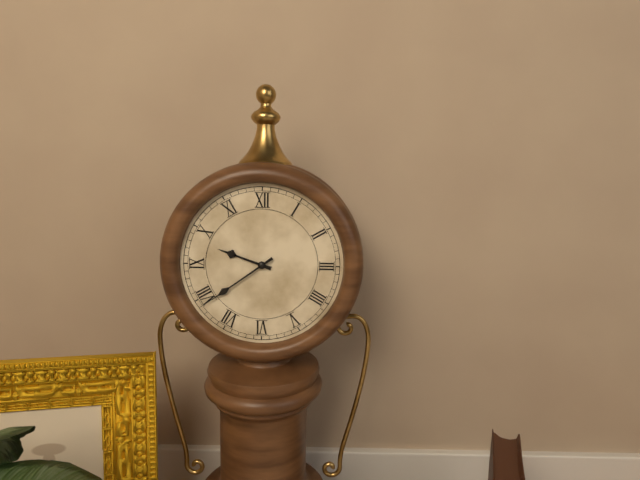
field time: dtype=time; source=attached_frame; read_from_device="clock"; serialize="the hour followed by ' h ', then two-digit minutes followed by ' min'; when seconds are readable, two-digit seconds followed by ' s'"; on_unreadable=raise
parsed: 9 h 39 min
